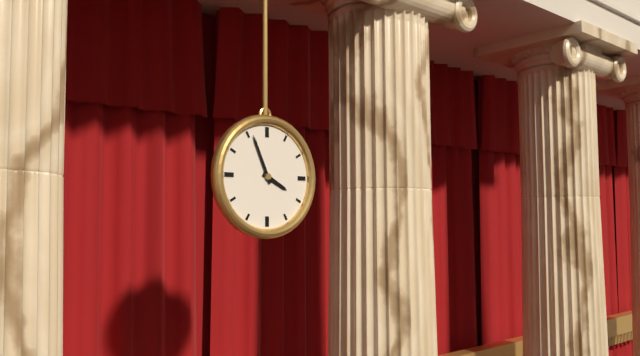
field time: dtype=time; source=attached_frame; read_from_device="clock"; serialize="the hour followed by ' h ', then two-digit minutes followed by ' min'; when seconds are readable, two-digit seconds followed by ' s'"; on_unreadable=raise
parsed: 3 h 56 min
